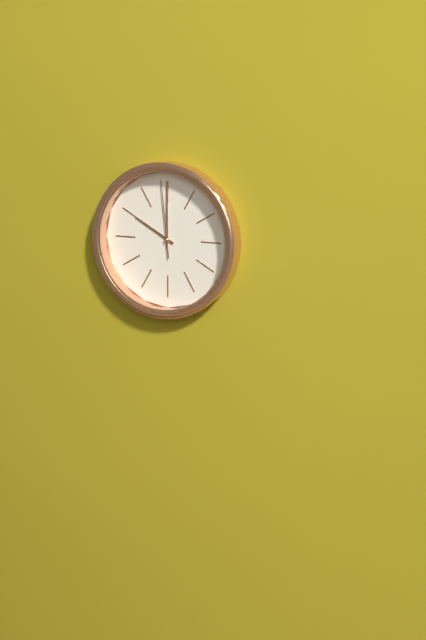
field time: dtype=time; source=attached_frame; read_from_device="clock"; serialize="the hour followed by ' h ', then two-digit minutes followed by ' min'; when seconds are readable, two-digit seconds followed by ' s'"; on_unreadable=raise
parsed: 10 h 00 min 59 s
